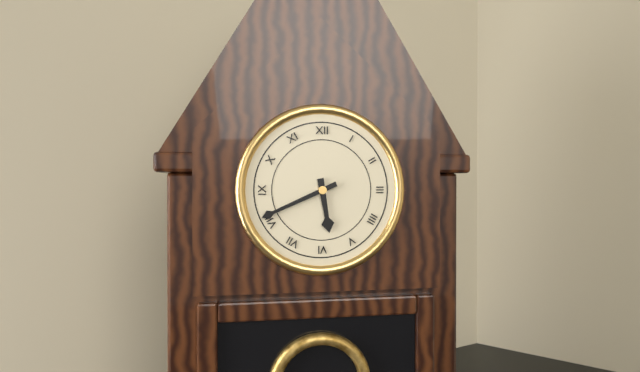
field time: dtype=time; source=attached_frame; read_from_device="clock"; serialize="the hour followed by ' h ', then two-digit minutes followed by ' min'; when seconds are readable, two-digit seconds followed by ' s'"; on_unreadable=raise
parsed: 5 h 41 min
